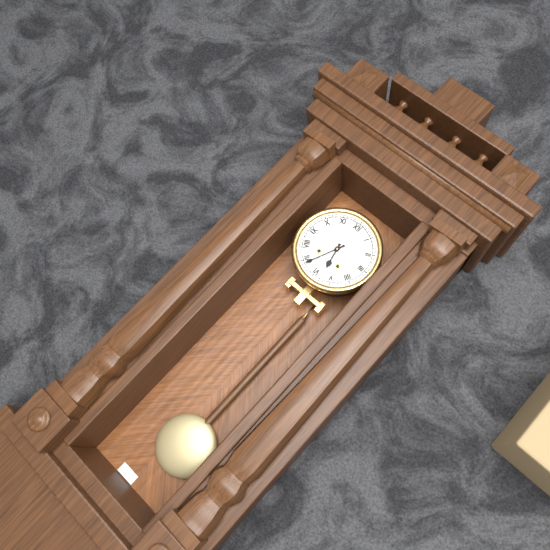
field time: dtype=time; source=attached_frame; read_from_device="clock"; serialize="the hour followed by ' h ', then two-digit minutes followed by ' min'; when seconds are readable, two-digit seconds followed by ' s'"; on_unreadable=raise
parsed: 5 h 34 min
